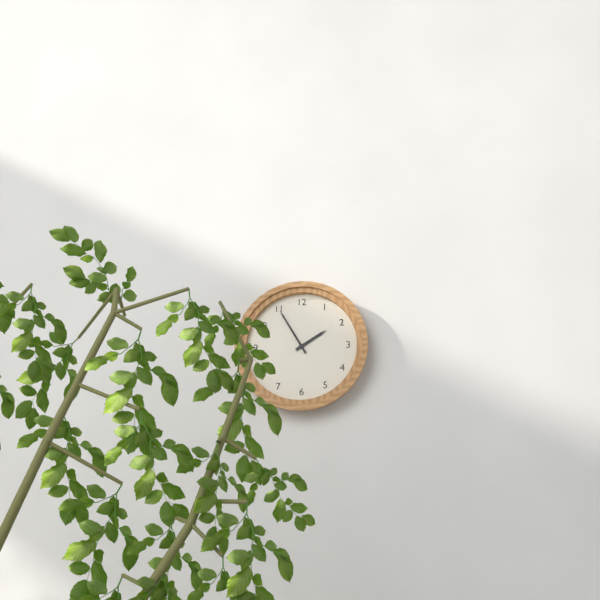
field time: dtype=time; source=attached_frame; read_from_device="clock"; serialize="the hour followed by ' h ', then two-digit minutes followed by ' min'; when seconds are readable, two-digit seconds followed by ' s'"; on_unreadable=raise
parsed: 1 h 55 min
